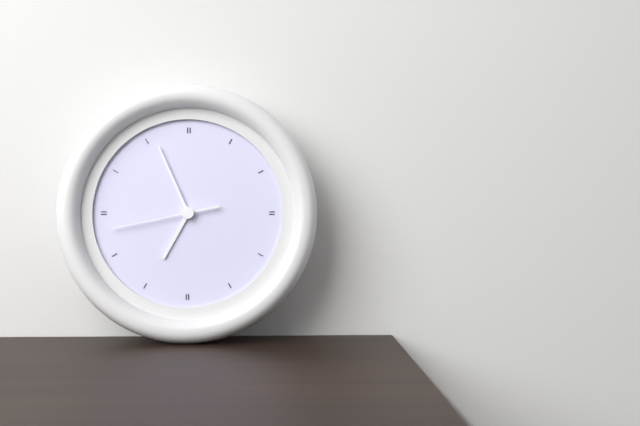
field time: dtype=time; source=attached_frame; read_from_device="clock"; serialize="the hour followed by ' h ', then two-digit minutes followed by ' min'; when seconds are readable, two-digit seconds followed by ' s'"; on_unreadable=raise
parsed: 6 h 56 min 43 s
